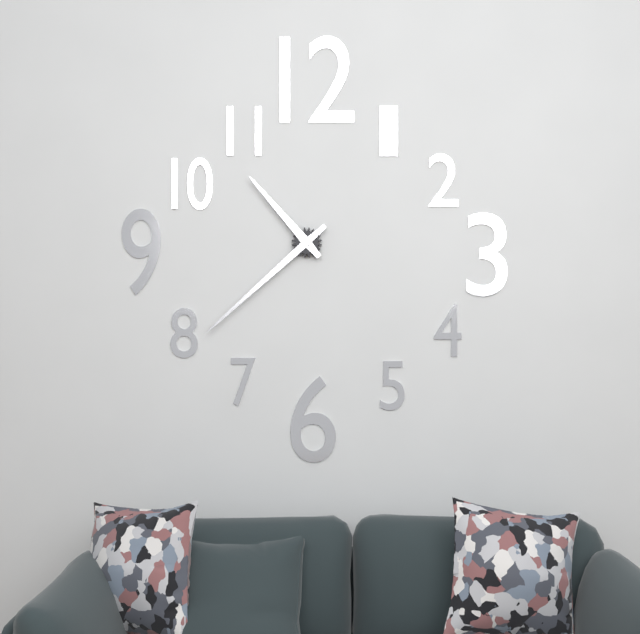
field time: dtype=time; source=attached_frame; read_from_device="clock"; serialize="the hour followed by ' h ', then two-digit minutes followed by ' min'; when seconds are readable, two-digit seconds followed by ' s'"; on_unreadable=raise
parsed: 10 h 38 min
